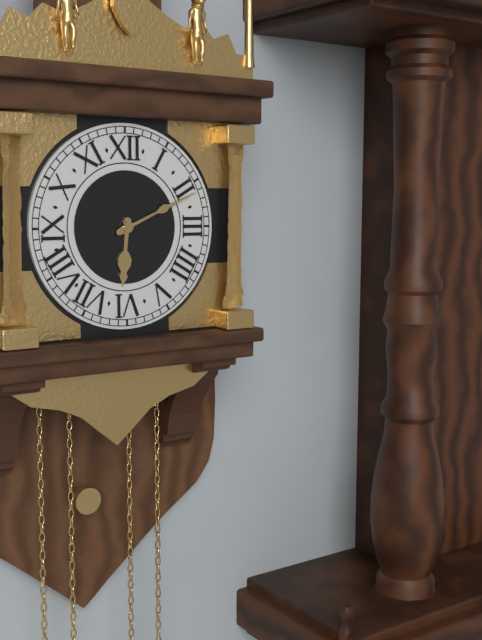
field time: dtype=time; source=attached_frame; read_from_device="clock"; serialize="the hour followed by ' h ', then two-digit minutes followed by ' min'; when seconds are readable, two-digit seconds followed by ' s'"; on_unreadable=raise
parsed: 6 h 11 min
